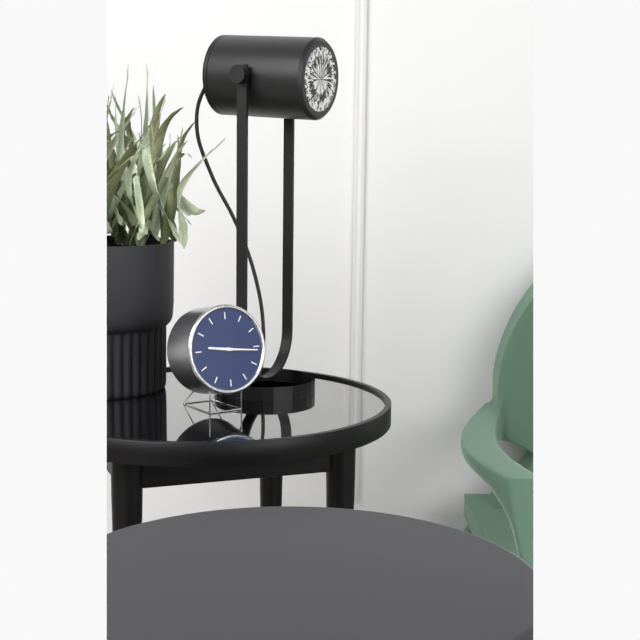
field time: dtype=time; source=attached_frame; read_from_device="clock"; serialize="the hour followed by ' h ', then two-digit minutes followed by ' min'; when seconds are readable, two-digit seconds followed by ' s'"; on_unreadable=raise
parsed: 9 h 16 min
